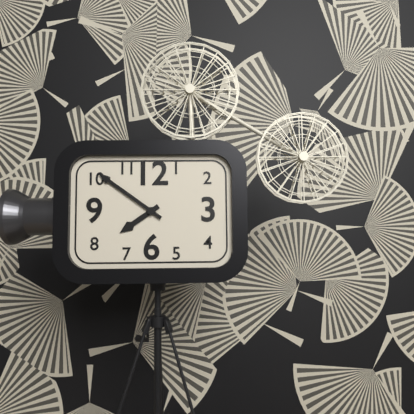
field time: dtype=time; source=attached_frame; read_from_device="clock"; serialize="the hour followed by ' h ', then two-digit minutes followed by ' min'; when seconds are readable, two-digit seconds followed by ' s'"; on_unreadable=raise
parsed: 7 h 51 min
